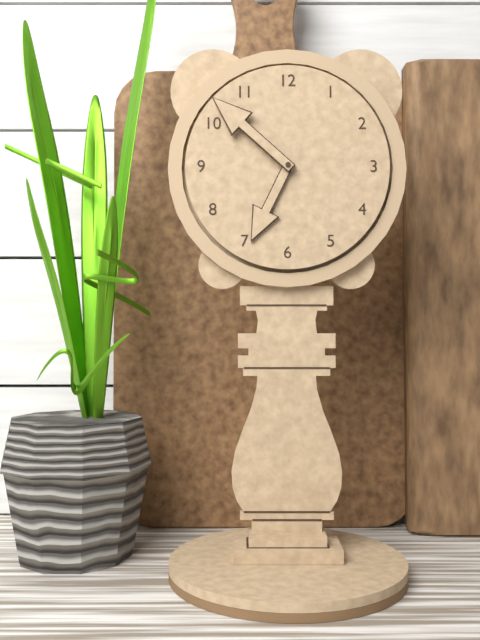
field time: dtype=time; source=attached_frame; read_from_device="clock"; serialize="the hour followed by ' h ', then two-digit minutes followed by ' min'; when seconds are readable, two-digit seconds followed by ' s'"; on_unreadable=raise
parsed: 6 h 52 min
